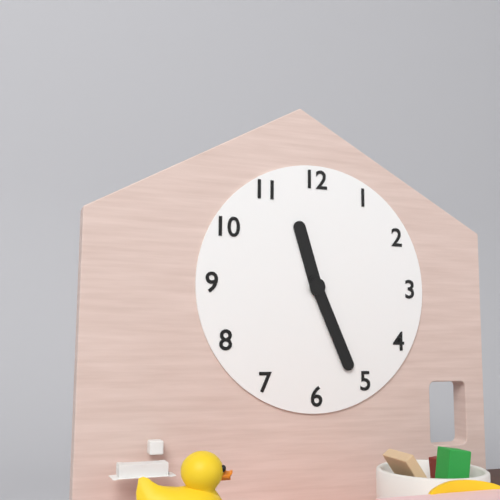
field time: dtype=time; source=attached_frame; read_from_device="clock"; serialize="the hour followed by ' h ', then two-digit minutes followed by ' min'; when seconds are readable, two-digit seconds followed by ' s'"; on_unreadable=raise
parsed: 11 h 26 min
